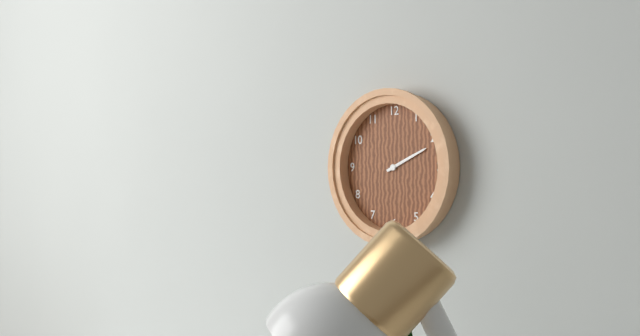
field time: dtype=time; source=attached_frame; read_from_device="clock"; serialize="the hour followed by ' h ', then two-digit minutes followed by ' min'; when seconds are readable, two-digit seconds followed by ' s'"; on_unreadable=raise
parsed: 2 h 11 min
